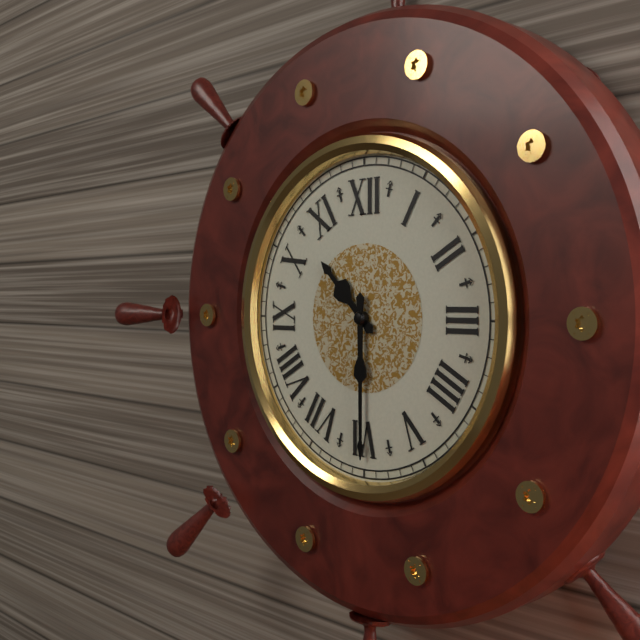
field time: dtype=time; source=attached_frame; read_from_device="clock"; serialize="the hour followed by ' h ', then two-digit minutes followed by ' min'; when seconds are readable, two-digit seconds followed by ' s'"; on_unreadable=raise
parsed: 10 h 30 min
